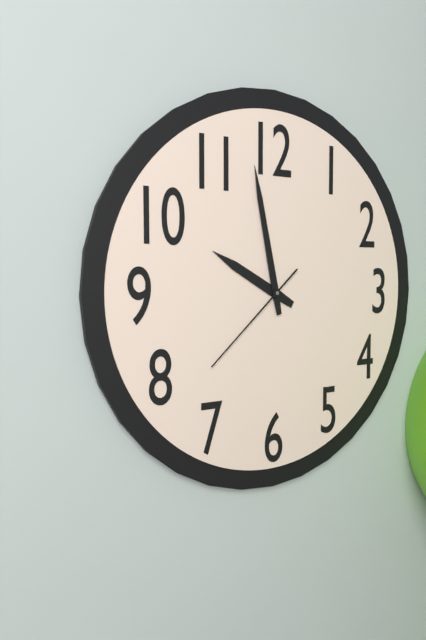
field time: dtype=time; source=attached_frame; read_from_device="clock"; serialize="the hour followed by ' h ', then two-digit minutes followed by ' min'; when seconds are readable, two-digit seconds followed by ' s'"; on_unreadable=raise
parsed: 9 h 58 min 38 s
